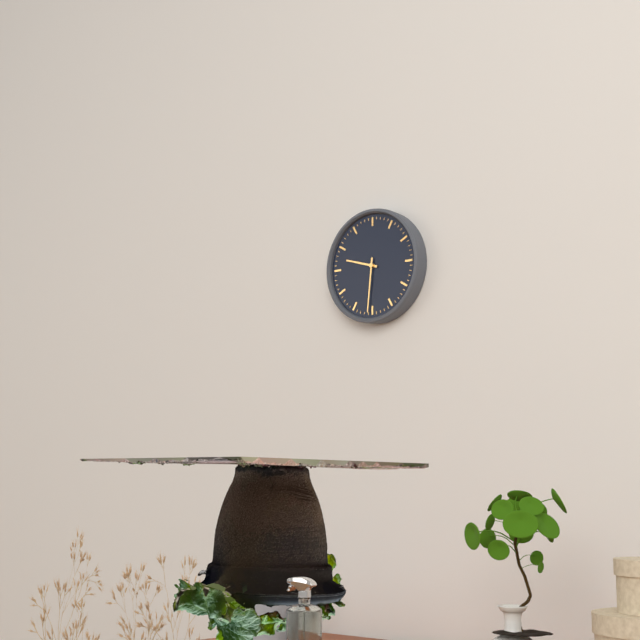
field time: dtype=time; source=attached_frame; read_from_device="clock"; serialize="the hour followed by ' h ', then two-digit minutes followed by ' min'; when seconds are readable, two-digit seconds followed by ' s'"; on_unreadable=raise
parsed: 9 h 31 min
